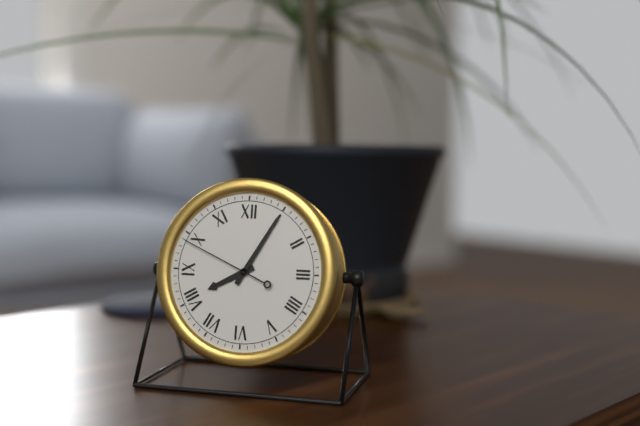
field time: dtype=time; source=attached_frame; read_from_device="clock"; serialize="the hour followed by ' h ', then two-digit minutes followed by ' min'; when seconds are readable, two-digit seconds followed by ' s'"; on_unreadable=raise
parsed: 8 h 05 min 49 s
